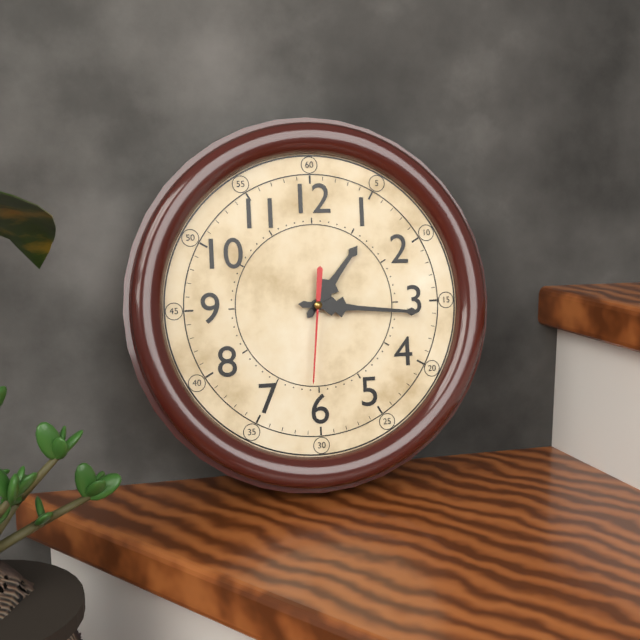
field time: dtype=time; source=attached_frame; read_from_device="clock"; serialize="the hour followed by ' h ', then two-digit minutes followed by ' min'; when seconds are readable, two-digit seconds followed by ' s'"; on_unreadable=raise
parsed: 1 h 16 min 31 s
